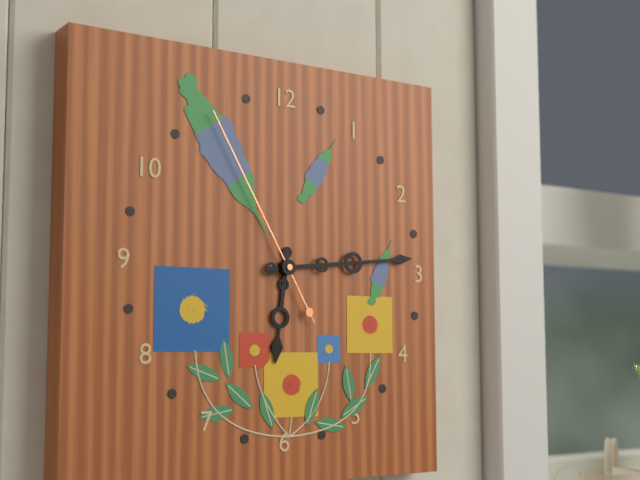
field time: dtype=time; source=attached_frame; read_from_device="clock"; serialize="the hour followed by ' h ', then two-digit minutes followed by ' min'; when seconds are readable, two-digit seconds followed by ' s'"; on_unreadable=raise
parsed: 6 h 14 min 55 s
